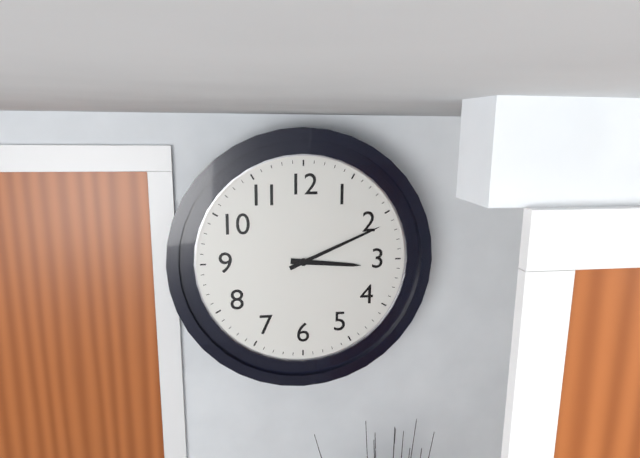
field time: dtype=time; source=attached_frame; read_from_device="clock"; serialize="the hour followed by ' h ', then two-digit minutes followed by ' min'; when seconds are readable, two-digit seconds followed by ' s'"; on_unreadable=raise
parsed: 3 h 11 min
